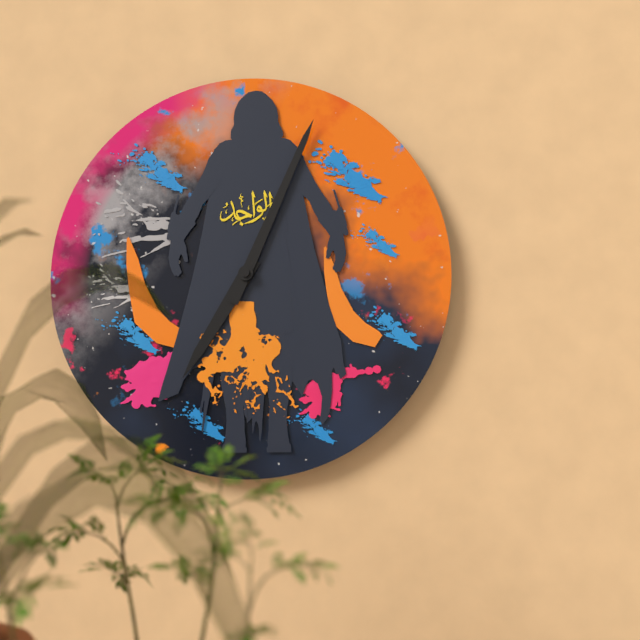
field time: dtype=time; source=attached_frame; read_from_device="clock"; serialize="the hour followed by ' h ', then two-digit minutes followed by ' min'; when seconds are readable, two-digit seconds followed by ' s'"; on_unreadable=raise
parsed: 7 h 04 min
